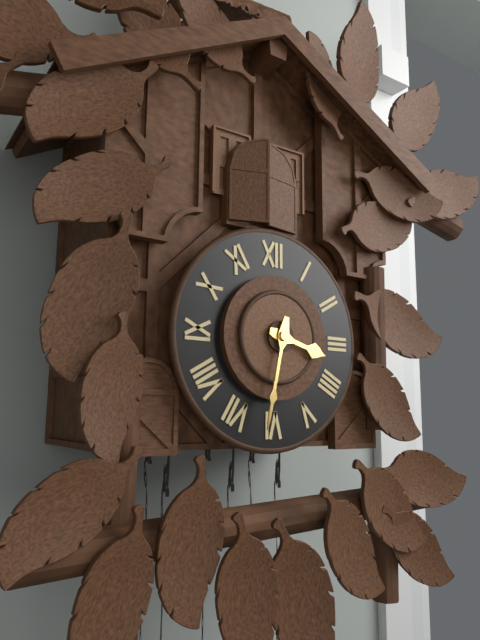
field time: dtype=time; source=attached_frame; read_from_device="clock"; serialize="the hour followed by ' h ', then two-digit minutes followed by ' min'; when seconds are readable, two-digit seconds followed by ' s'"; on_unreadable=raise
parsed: 3 h 32 min
